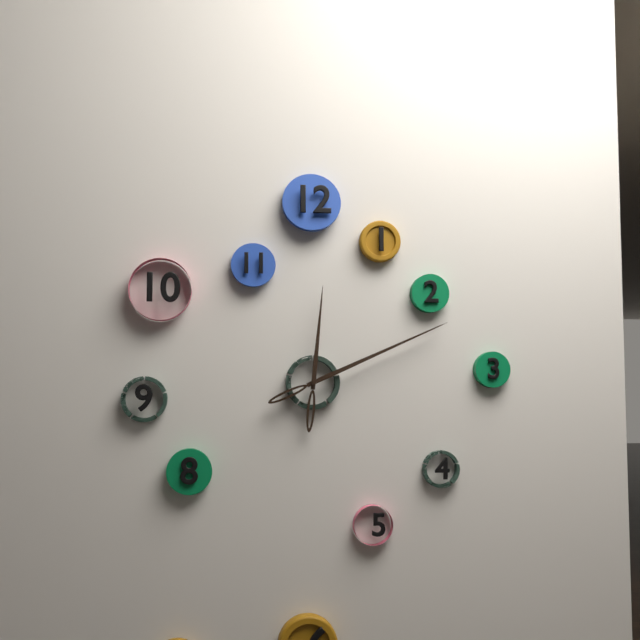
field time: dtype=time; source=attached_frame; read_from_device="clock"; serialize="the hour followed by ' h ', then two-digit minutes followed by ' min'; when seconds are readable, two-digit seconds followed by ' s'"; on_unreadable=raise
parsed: 12 h 11 min
